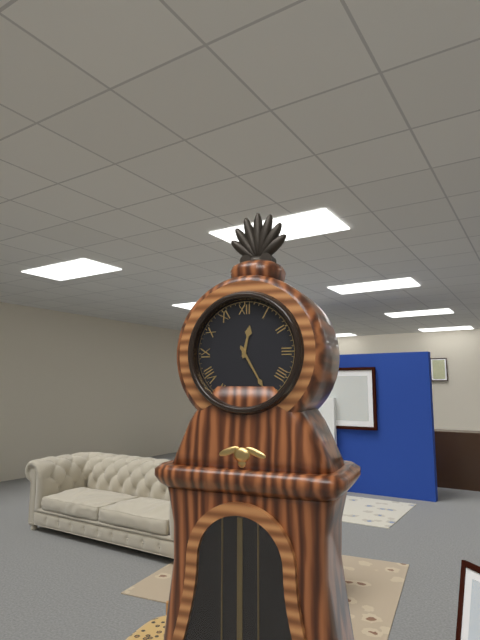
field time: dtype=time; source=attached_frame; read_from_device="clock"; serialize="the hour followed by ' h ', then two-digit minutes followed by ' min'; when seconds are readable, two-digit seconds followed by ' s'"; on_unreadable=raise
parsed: 12 h 25 min
